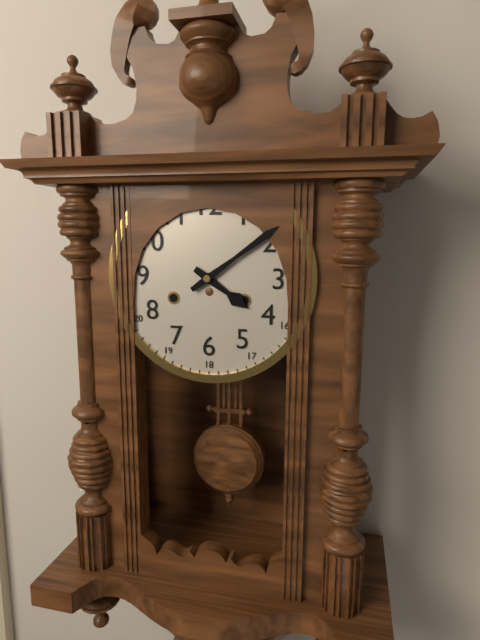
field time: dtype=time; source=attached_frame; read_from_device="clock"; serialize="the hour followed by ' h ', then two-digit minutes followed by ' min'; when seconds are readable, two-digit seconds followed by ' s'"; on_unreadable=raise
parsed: 4 h 09 min
